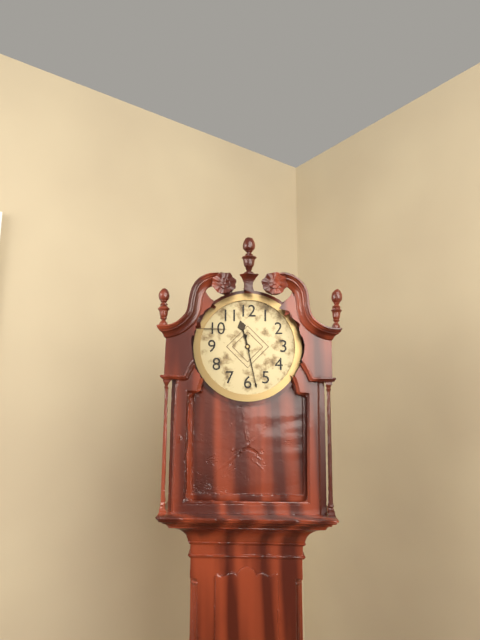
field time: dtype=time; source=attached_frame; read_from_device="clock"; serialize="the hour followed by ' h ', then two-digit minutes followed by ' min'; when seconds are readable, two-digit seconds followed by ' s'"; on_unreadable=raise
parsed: 11 h 28 min
